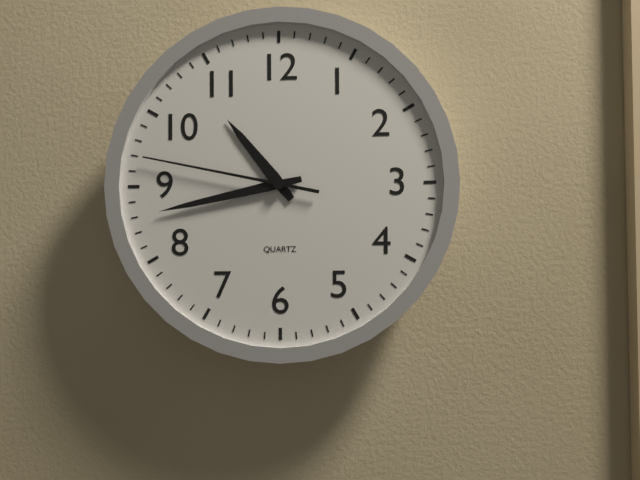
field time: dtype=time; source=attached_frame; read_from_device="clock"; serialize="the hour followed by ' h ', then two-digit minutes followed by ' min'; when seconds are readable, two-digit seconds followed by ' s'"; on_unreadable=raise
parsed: 10 h 43 min 47 s
